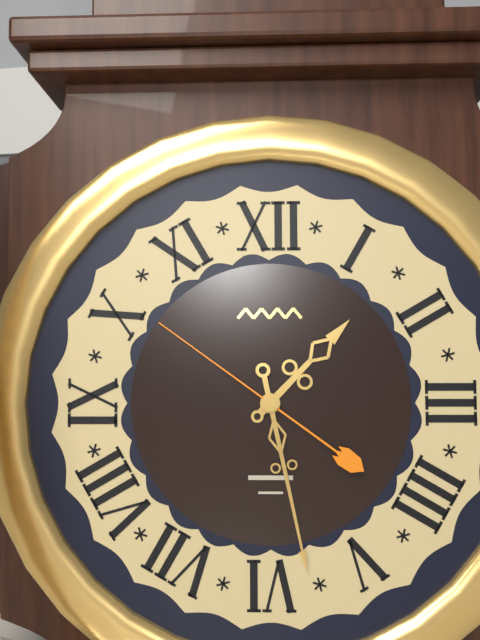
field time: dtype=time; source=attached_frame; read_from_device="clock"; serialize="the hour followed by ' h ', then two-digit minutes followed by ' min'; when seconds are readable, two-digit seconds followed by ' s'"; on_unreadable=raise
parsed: 1 h 28 min 51 s
